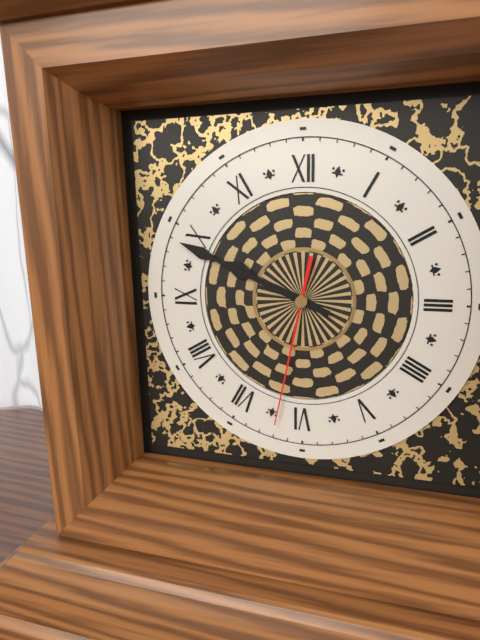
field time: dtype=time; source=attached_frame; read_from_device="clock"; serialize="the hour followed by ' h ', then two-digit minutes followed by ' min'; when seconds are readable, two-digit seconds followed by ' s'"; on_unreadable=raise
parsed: 9 h 49 min 32 s
